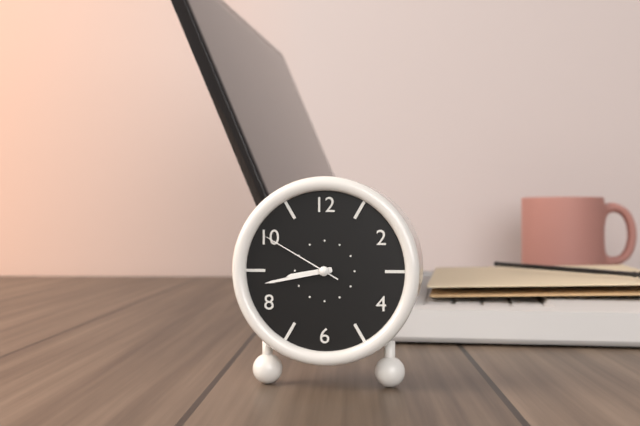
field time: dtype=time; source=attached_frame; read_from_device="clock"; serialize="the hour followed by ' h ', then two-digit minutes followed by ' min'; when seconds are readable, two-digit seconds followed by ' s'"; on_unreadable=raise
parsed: 8 h 43 min 50 s
